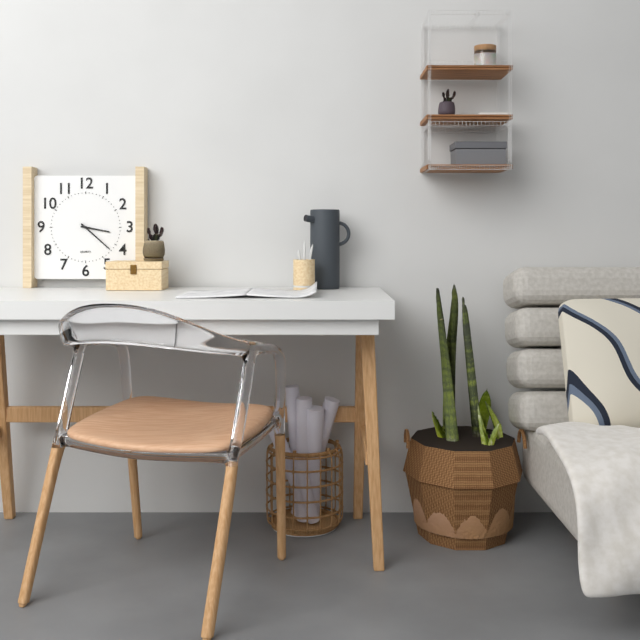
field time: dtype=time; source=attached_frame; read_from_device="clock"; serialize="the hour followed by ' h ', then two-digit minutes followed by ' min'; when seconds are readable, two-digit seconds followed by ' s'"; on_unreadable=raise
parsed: 3 h 22 min
